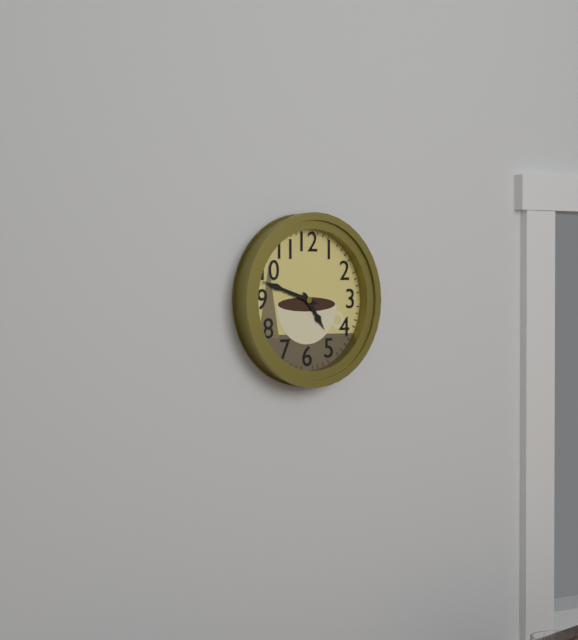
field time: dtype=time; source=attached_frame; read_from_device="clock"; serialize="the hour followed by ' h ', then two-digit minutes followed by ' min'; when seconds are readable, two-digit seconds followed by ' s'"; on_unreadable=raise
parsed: 4 h 48 min
